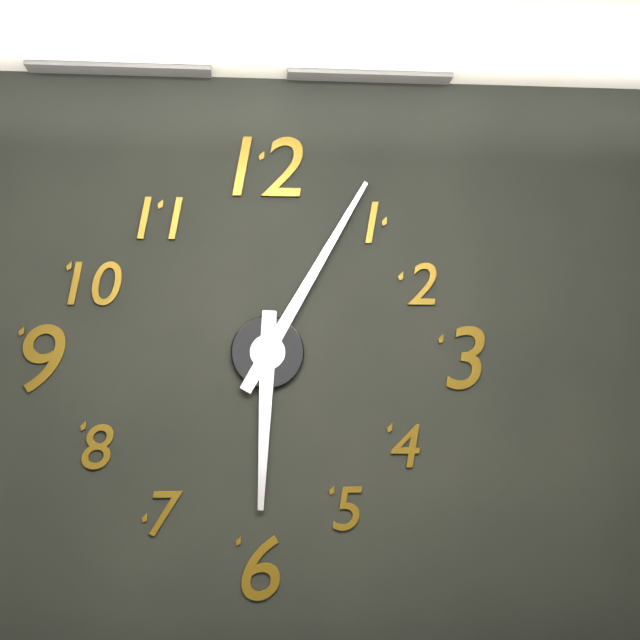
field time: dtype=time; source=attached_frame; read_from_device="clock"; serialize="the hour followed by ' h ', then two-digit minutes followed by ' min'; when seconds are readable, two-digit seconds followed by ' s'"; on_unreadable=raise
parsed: 6 h 05 min
